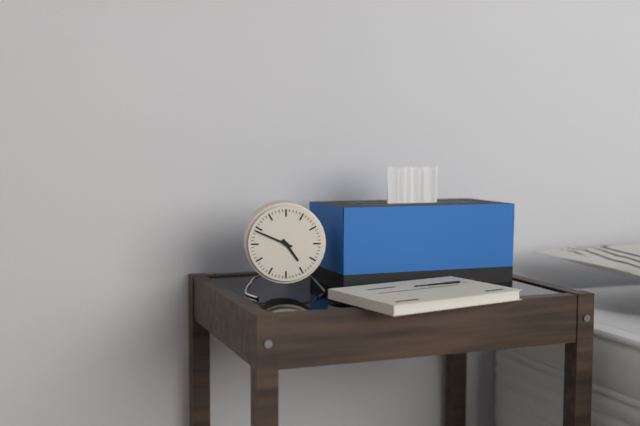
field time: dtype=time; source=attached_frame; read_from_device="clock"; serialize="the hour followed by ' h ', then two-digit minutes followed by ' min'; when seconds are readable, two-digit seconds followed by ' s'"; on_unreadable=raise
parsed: 4 h 49 min
